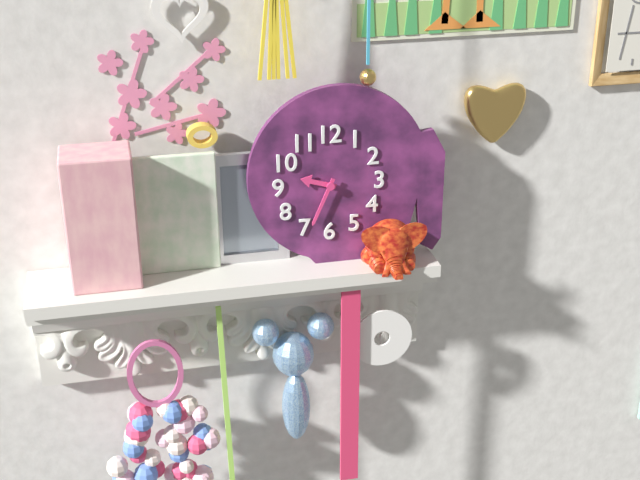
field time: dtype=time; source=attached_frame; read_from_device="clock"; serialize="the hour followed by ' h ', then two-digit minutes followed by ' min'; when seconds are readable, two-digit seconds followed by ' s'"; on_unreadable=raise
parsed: 9 h 34 min
